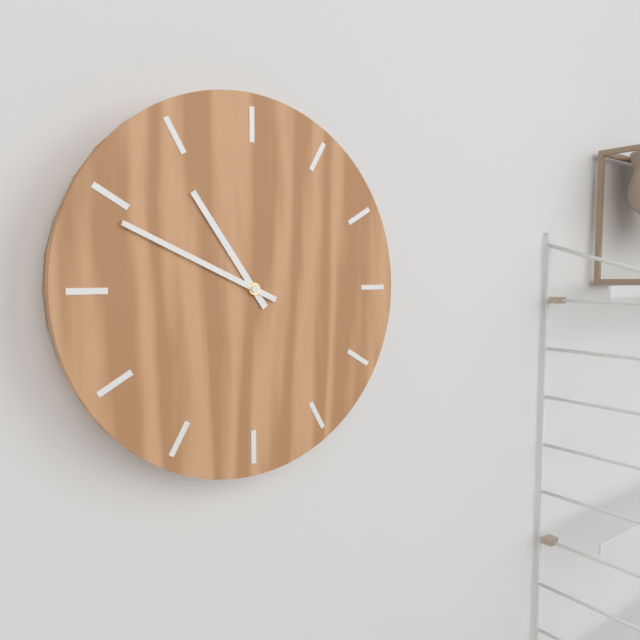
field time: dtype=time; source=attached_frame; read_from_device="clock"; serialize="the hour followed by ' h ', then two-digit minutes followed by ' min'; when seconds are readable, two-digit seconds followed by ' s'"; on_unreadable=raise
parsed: 10 h 49 min
